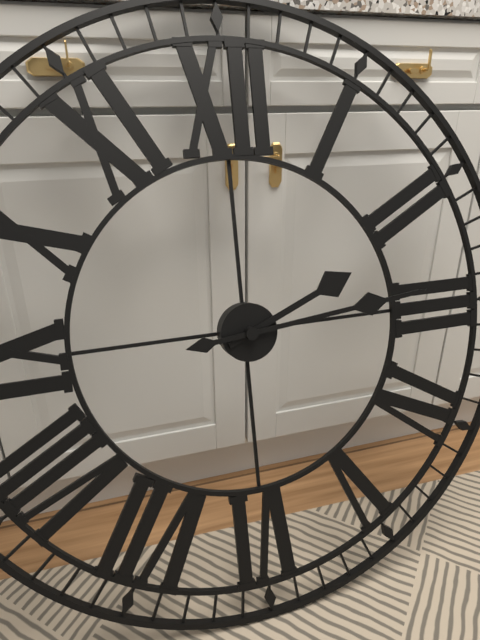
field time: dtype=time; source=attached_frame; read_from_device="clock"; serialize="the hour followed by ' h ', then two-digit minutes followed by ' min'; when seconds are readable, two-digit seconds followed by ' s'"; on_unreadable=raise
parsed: 2 h 14 min
